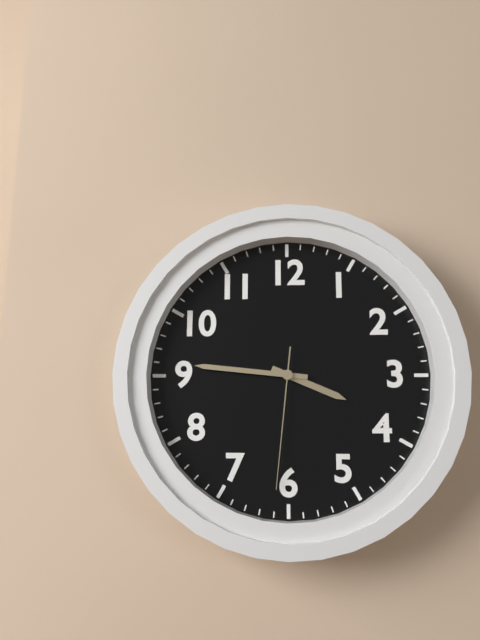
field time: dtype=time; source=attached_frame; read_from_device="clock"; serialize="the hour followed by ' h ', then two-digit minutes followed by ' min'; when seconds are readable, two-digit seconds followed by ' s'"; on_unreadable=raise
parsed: 3 h 46 min 31 s
